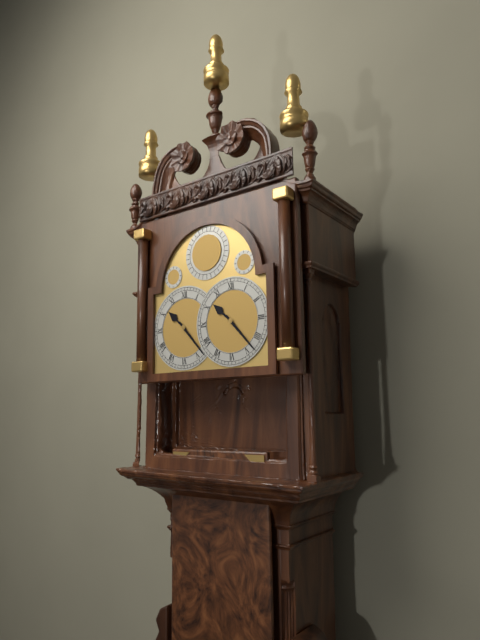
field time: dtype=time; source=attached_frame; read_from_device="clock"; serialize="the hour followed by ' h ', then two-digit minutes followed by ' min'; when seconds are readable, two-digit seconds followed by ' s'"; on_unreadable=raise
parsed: 10 h 23 min
